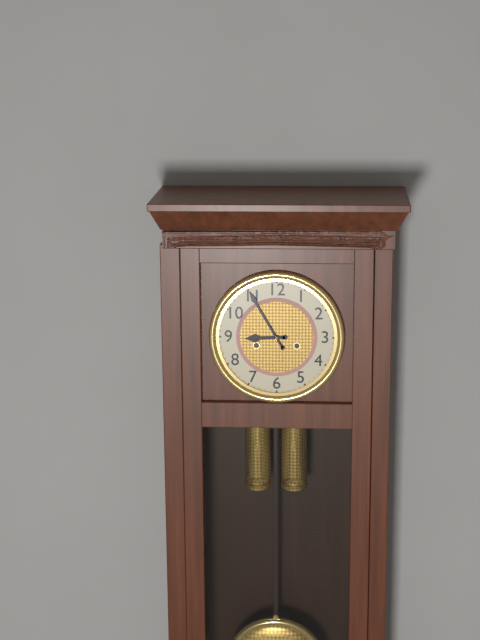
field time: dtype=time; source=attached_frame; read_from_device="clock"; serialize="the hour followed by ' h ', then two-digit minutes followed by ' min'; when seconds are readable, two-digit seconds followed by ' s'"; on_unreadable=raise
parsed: 8 h 55 min
